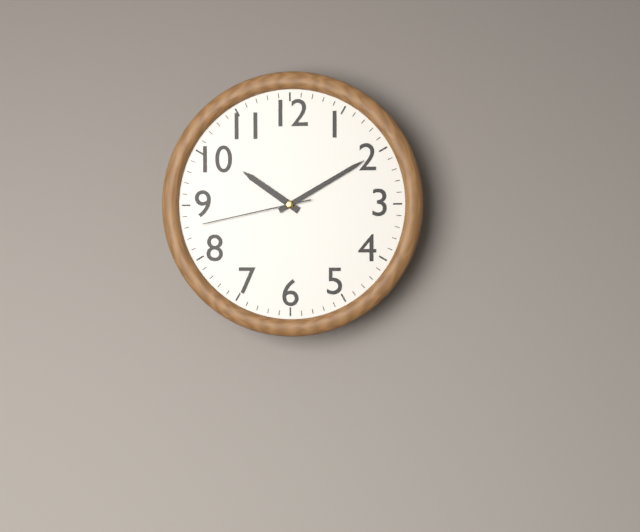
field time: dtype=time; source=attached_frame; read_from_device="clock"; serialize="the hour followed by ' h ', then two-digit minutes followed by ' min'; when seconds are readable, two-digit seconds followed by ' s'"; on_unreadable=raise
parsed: 10 h 10 min 43 s
